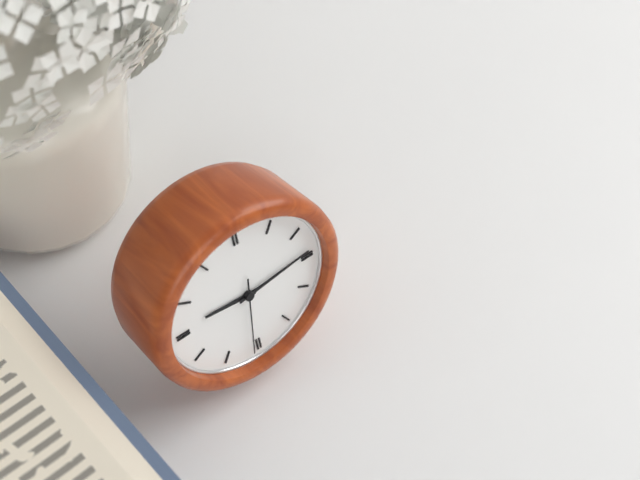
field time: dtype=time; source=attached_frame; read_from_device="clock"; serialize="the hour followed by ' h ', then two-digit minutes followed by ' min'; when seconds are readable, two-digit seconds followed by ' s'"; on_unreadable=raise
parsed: 9 h 14 min 31 s
